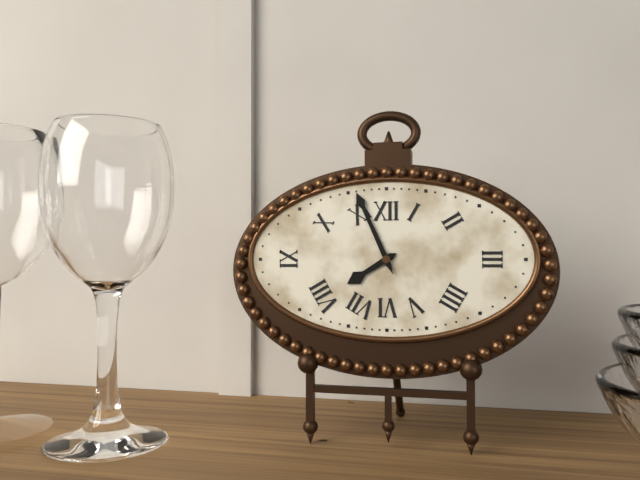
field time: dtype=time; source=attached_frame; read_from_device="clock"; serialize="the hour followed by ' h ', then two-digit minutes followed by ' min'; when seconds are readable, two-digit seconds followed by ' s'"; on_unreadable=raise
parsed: 7 h 56 min
